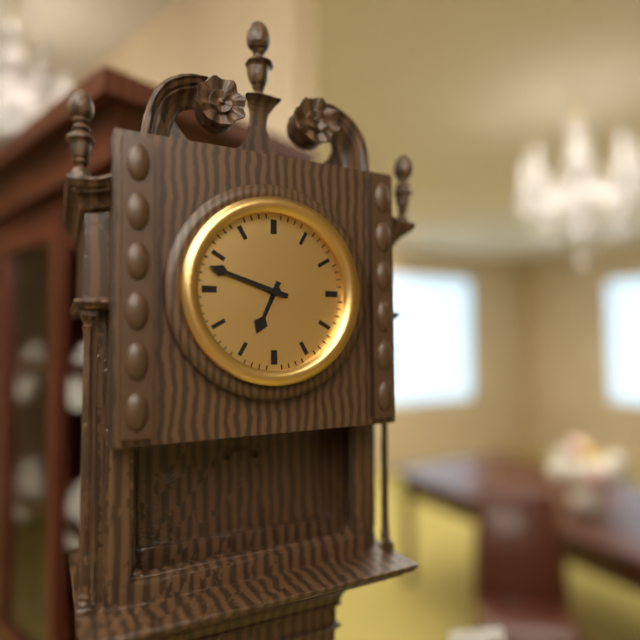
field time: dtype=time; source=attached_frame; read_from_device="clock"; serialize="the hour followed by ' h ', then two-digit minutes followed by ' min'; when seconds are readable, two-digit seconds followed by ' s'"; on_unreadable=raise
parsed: 6 h 48 min
